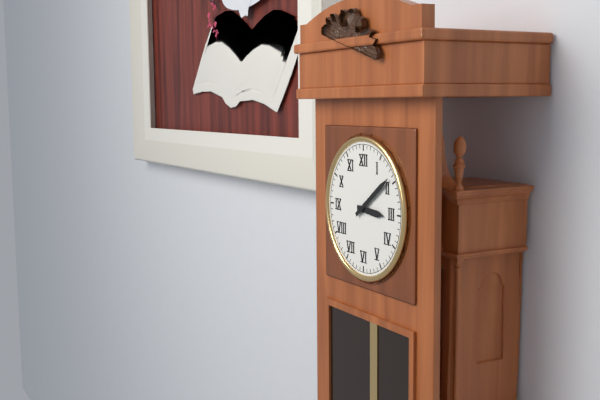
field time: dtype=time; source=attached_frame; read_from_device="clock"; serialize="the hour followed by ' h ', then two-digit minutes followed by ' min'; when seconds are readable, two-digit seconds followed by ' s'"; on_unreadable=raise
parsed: 3 h 09 min
